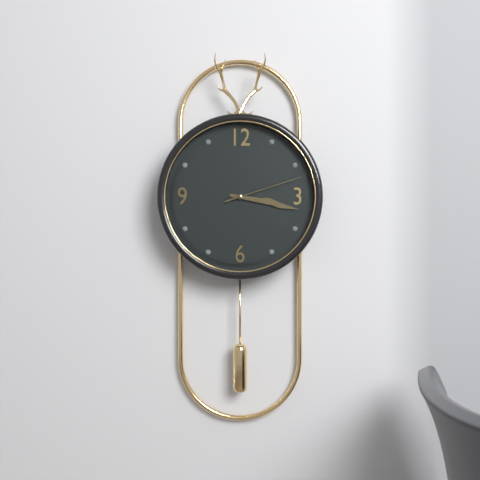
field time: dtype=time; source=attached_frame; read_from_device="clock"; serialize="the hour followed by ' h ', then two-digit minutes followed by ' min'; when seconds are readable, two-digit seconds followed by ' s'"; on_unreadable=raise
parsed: 3 h 17 min 12 s
